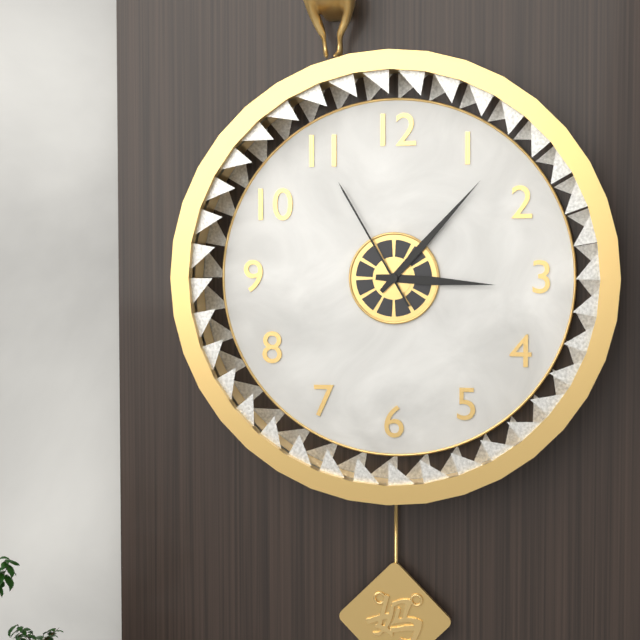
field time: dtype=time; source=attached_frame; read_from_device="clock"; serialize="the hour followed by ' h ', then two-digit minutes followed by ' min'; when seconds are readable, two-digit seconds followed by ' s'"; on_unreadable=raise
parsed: 3 h 07 min 55 s
